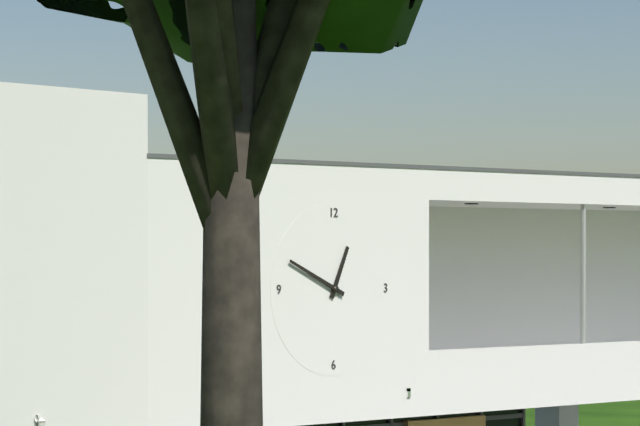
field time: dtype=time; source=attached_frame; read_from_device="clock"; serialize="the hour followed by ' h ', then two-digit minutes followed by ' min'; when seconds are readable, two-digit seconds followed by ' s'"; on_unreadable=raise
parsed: 12 h 49 min
